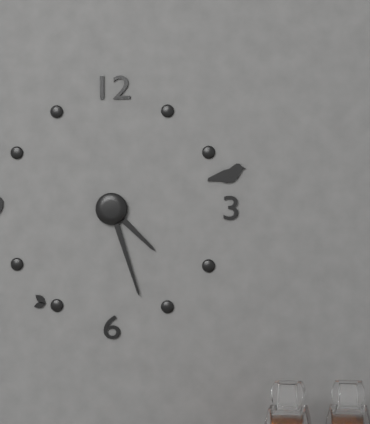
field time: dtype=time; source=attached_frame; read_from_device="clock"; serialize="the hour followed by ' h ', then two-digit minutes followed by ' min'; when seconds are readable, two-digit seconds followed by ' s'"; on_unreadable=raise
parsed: 4 h 27 min
